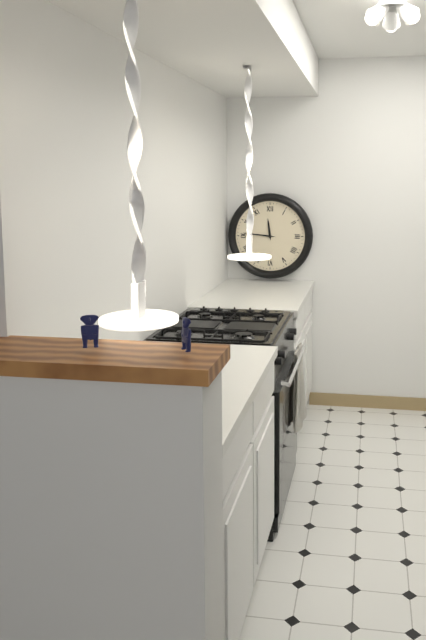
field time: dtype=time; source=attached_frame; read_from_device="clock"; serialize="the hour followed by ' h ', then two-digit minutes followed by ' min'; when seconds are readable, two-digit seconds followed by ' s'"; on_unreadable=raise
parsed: 11 h 46 min
